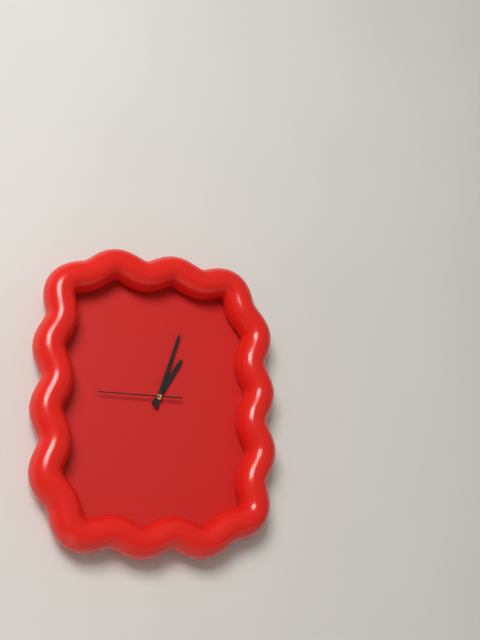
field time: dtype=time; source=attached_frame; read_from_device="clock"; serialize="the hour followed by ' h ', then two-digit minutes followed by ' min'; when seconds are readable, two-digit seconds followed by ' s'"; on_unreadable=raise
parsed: 1 h 03 min 45 s
